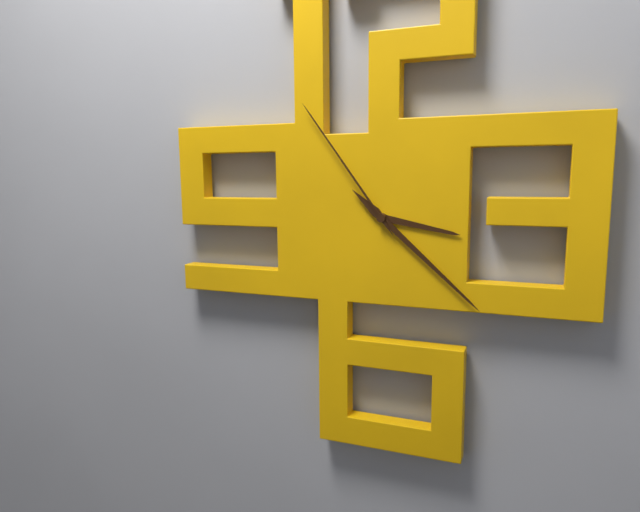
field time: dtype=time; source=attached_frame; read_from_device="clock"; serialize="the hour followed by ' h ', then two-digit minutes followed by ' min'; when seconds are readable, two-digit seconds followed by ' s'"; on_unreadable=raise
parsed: 3 h 22 min 54 s
